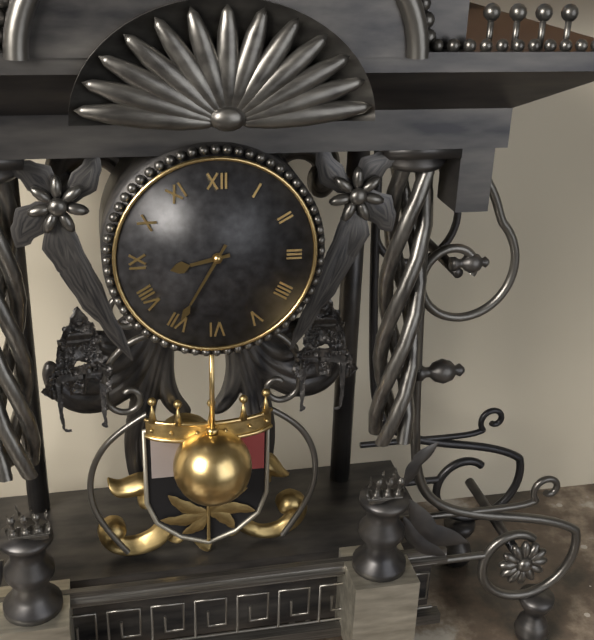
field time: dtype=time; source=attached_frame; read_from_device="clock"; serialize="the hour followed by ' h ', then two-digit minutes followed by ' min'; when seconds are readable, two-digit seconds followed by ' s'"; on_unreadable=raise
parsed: 8 h 35 min
